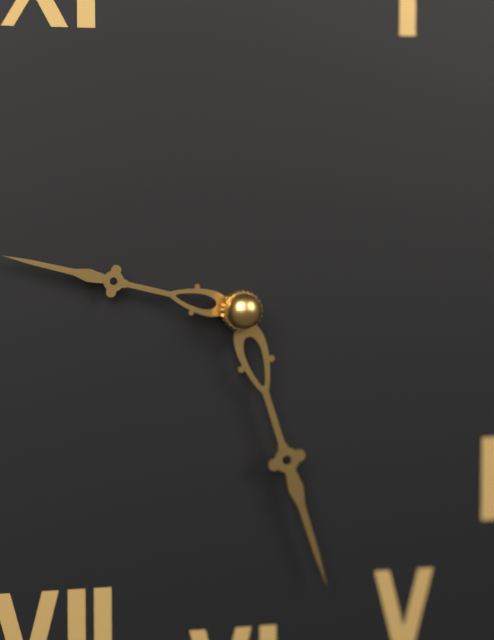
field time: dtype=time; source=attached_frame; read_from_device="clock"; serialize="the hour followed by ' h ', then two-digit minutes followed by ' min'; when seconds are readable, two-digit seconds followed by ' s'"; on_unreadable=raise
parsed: 9 h 27 min
